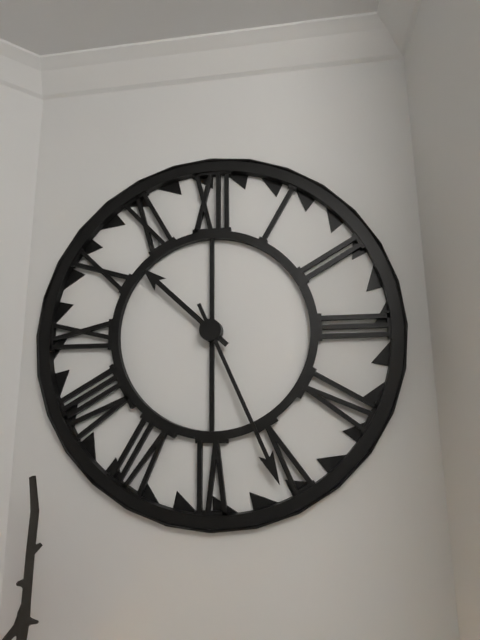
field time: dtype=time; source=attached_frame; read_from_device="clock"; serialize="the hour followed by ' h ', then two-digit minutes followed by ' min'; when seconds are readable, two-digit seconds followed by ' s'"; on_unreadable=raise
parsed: 10 h 26 min
